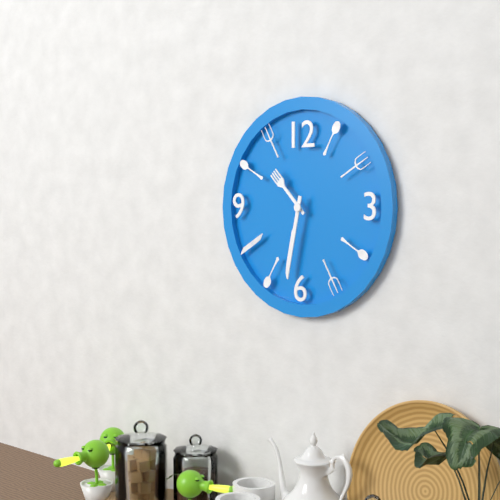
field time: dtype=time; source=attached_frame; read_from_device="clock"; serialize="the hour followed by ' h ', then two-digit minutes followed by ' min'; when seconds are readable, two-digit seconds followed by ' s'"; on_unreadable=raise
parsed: 10 h 32 min
